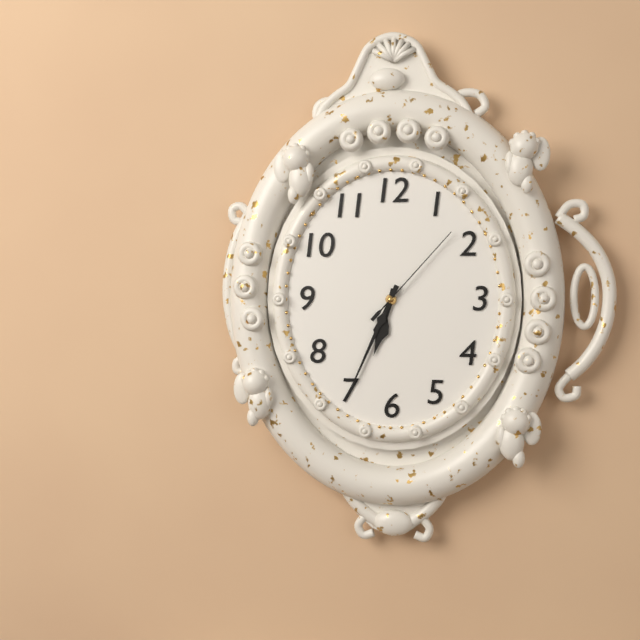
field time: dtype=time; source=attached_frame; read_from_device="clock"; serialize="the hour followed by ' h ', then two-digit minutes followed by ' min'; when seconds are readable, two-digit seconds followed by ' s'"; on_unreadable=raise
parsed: 6 h 34 min 07 s
